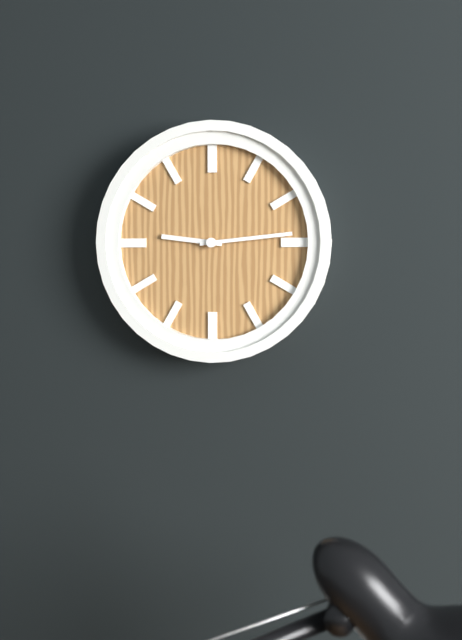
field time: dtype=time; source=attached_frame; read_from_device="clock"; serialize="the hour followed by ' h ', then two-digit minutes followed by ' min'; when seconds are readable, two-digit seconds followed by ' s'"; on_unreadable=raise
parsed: 9 h 14 min
